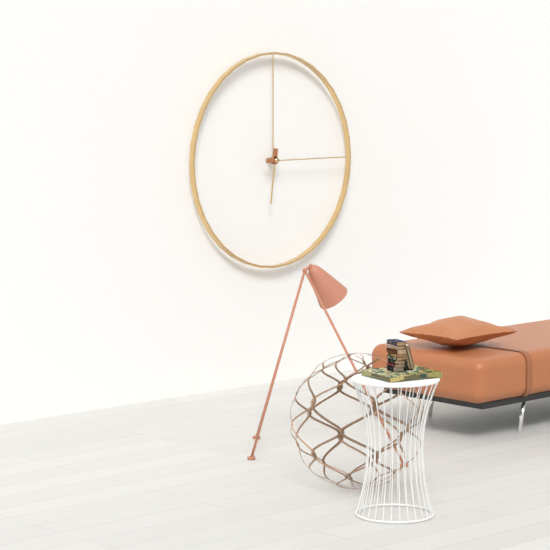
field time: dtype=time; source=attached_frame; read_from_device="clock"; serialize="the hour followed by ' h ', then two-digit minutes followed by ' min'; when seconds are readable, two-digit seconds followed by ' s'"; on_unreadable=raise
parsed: 6 h 15 min
